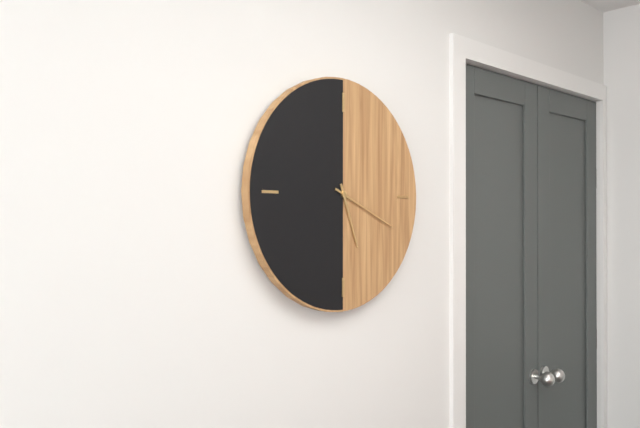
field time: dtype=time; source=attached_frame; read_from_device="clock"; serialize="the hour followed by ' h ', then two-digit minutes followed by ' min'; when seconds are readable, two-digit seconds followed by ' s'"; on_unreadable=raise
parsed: 5 h 19 min
